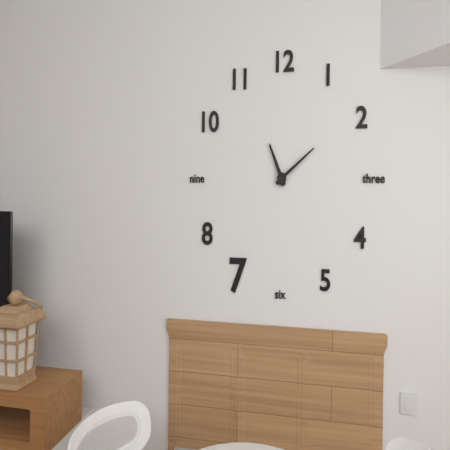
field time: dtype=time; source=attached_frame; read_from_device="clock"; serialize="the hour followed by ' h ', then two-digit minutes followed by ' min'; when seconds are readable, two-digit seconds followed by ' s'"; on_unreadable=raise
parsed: 11 h 09 min
